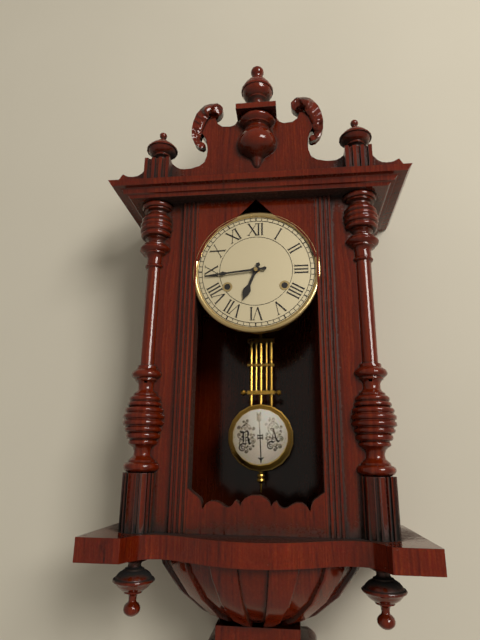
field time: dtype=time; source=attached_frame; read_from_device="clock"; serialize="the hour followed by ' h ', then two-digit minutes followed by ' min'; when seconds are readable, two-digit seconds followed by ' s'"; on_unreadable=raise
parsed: 6 h 44 min
